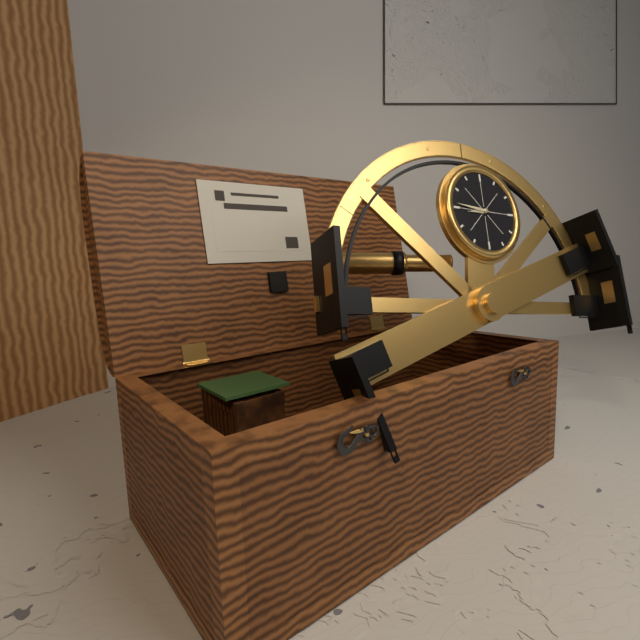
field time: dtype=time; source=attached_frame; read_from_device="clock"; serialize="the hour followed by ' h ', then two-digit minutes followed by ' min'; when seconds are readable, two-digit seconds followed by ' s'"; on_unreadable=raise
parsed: 8 h 46 min
